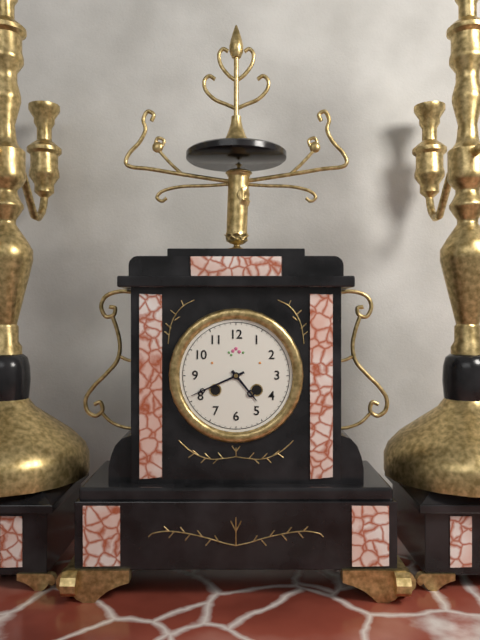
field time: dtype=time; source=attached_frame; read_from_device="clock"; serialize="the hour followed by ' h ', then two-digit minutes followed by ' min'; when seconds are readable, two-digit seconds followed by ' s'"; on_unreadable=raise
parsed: 4 h 41 min
